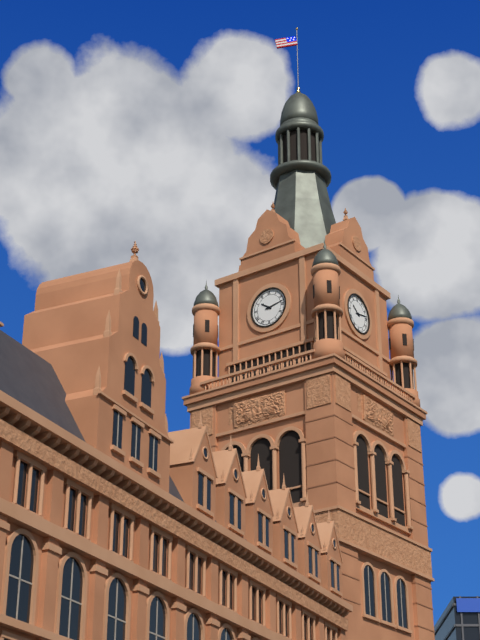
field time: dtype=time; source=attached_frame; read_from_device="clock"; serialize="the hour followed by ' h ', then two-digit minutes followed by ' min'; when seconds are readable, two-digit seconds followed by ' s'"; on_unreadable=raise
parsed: 10 h 13 min
